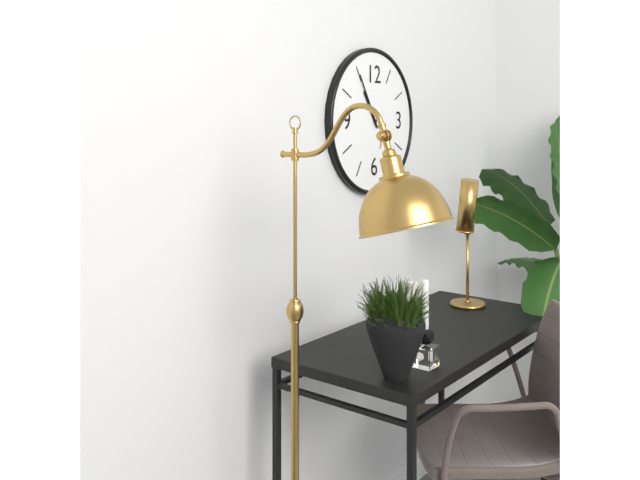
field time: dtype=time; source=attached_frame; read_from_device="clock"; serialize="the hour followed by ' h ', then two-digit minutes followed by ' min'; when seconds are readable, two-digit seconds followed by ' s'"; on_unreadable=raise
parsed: 10 h 55 min
